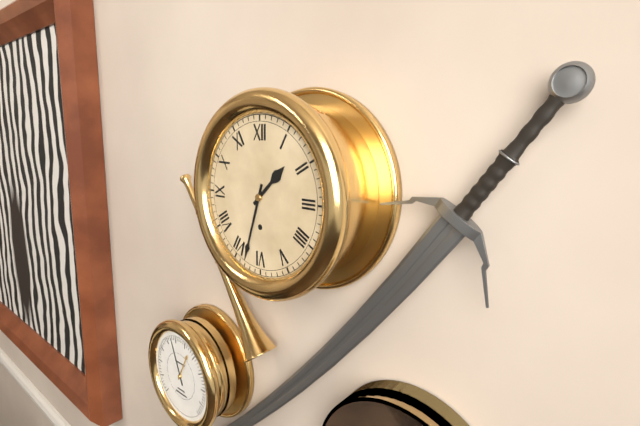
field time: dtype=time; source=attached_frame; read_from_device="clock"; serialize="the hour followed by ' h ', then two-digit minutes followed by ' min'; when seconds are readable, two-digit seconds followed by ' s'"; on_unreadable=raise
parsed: 1 h 33 min
